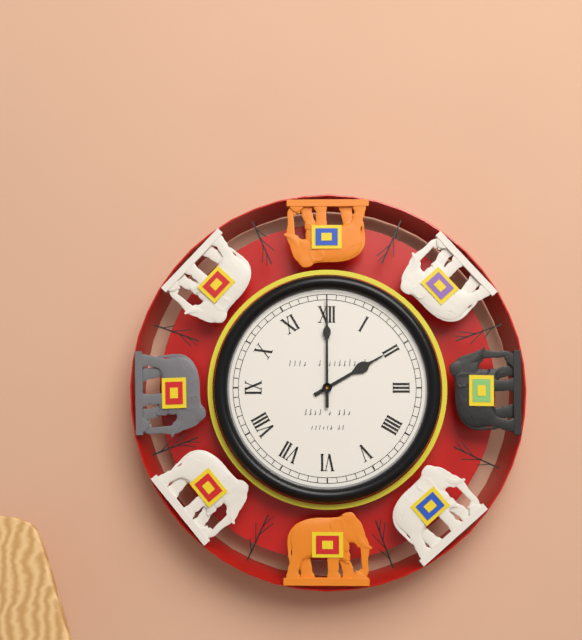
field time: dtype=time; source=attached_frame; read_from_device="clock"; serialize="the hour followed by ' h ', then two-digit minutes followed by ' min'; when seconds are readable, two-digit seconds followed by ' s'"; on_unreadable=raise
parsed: 2 h 00 min
